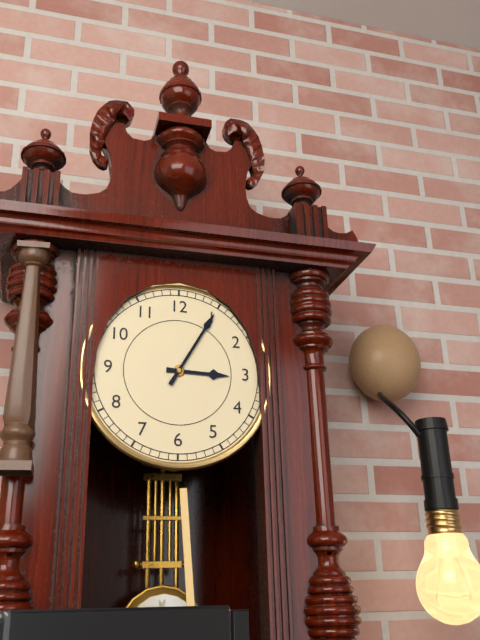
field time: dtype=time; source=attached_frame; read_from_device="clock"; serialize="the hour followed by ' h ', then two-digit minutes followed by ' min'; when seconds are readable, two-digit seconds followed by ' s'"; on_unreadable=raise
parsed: 3 h 05 min
